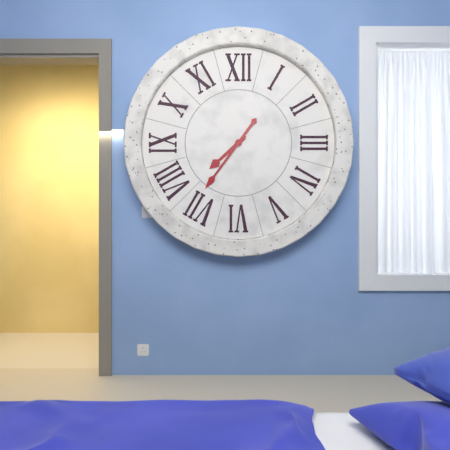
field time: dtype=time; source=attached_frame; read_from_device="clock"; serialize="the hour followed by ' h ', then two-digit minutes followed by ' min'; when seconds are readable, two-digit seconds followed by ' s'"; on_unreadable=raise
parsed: 7 h 36 min
